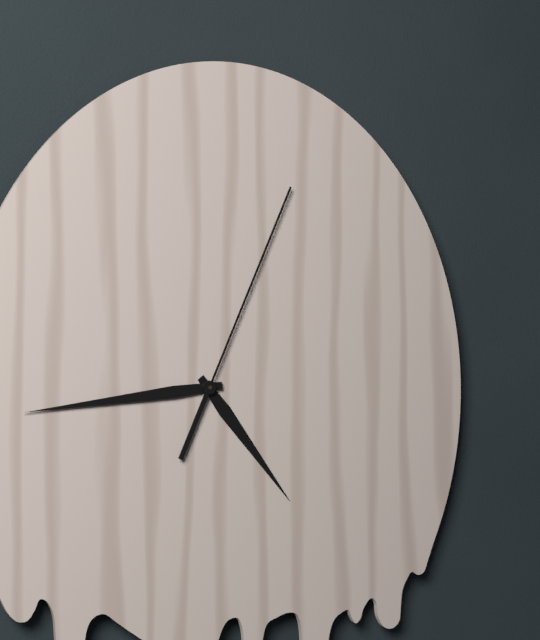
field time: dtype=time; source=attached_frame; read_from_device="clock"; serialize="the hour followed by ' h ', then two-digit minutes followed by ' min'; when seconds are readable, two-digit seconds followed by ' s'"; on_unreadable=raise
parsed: 4 h 44 min 04 s
